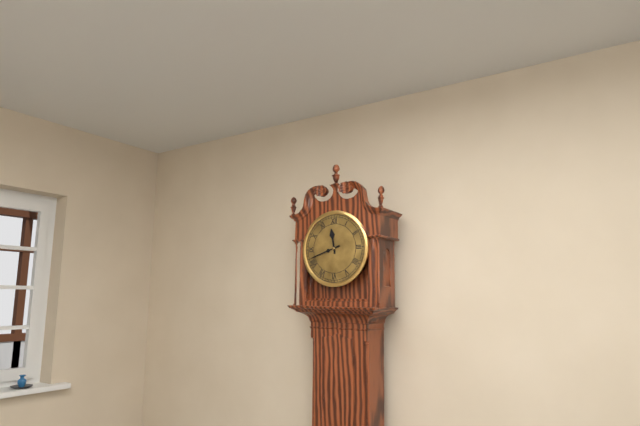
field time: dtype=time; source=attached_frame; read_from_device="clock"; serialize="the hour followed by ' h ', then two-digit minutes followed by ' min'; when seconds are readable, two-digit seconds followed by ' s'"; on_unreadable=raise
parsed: 11 h 42 min
